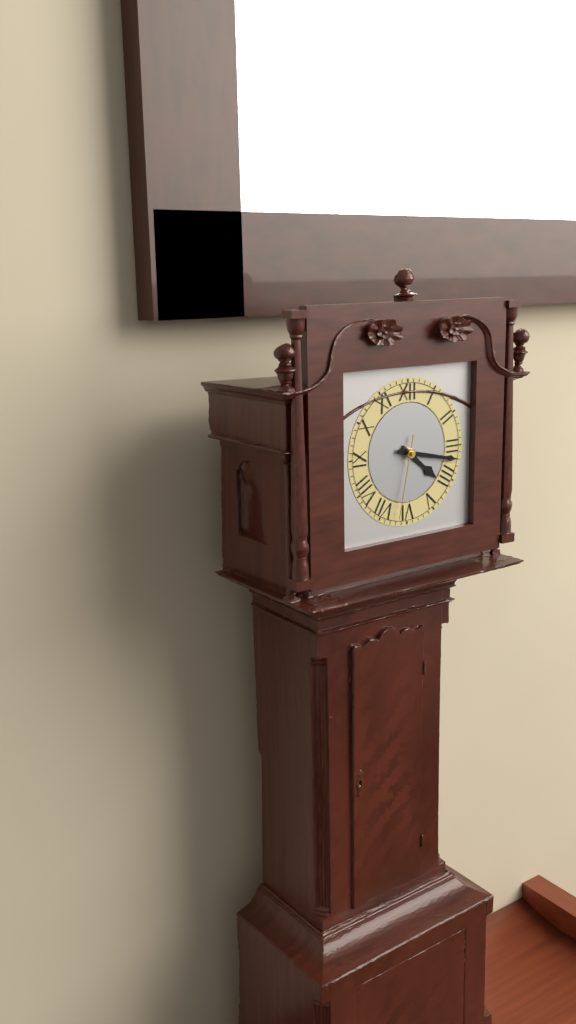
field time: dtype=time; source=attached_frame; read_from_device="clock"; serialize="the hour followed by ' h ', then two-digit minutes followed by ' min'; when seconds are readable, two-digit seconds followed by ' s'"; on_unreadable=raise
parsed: 4 h 17 min 32 s
